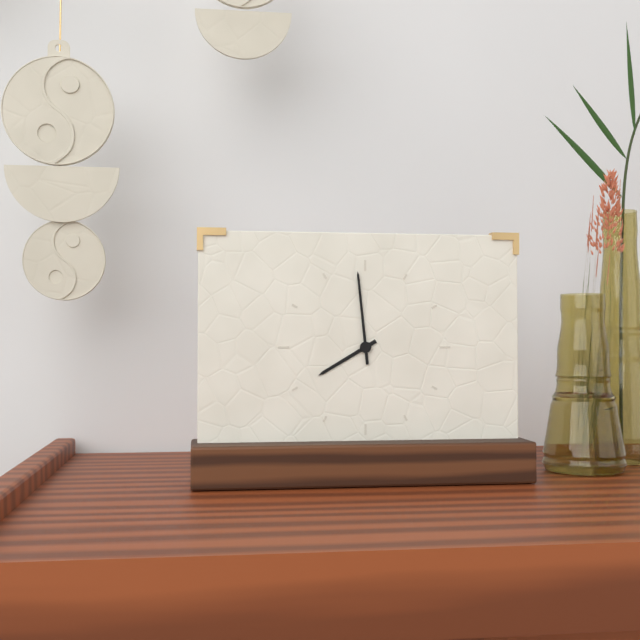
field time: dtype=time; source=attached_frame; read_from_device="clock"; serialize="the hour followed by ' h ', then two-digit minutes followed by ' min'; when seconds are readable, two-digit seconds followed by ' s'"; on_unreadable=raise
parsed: 7 h 59 min
